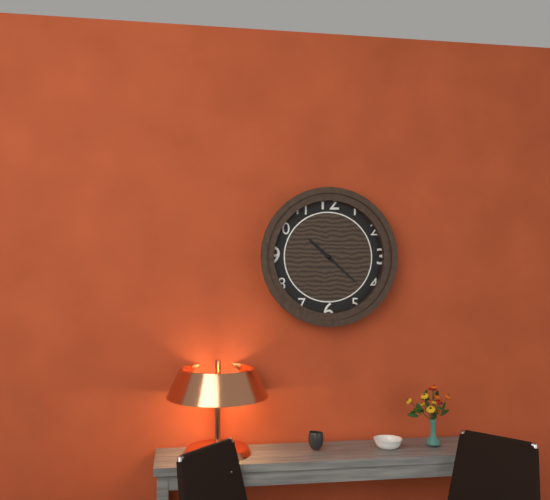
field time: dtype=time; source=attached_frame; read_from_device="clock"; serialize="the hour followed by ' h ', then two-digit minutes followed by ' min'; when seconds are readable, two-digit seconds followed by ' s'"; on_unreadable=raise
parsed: 10 h 22 min
